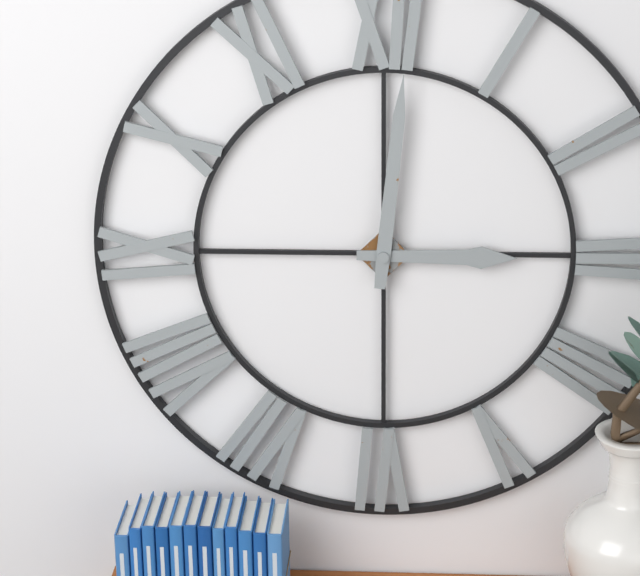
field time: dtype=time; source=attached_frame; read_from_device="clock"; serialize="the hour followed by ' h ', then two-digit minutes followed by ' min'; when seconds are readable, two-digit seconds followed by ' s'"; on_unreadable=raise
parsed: 3 h 01 min
